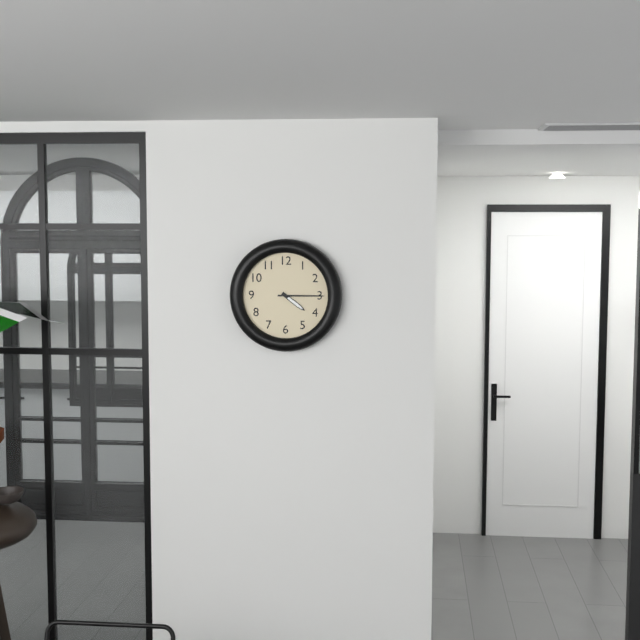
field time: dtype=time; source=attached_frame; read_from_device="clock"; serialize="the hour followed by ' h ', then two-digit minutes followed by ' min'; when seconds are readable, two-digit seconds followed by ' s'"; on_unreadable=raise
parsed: 4 h 15 min
